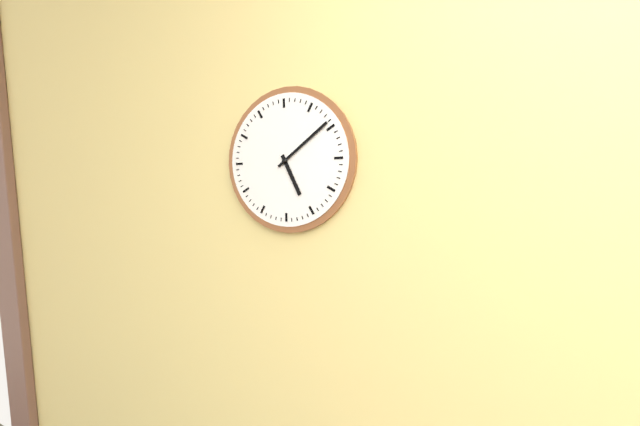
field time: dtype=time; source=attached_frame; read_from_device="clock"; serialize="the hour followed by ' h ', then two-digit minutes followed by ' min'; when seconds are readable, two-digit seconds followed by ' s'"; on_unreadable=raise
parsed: 5 h 09 min
